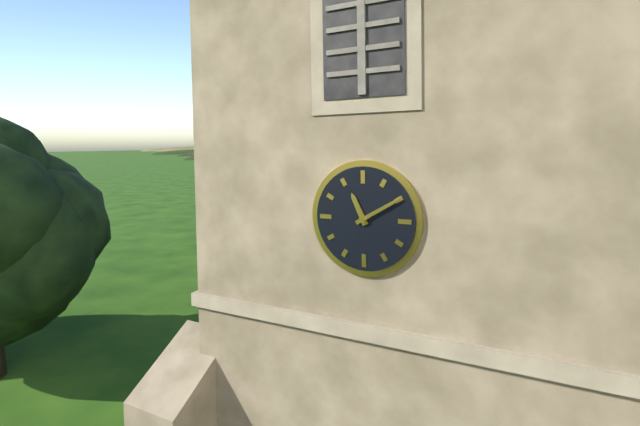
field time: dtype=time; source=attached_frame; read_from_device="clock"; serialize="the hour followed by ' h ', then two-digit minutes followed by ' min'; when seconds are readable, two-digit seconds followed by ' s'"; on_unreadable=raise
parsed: 11 h 10 min
